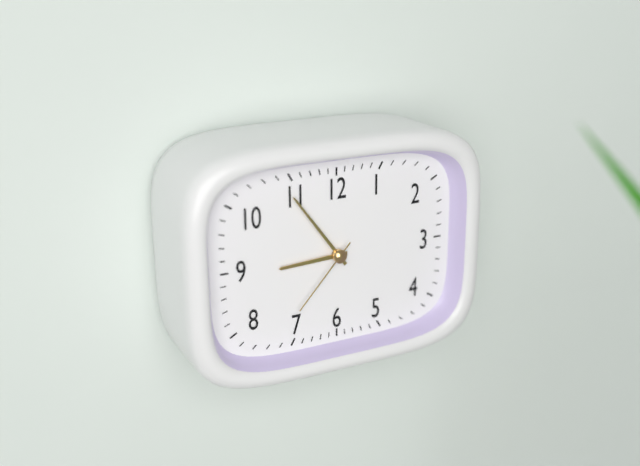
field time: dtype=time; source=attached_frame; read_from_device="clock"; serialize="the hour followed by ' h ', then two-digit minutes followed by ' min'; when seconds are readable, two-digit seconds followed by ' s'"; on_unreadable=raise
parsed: 8 h 54 min 37 s
